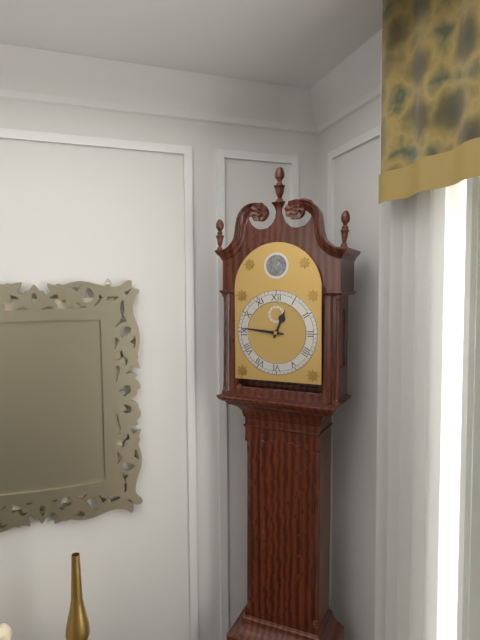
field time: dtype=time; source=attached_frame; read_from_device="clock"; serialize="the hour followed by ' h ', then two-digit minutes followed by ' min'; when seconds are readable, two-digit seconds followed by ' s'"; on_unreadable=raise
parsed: 12 h 46 min
